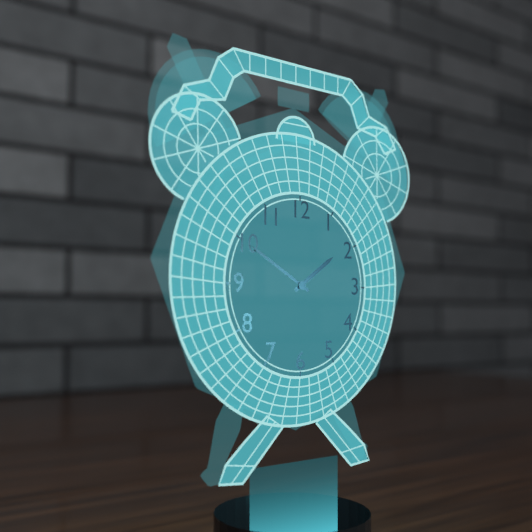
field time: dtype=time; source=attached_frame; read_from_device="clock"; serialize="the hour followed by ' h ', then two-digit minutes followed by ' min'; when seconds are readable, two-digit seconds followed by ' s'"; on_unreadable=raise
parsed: 1 h 50 min
